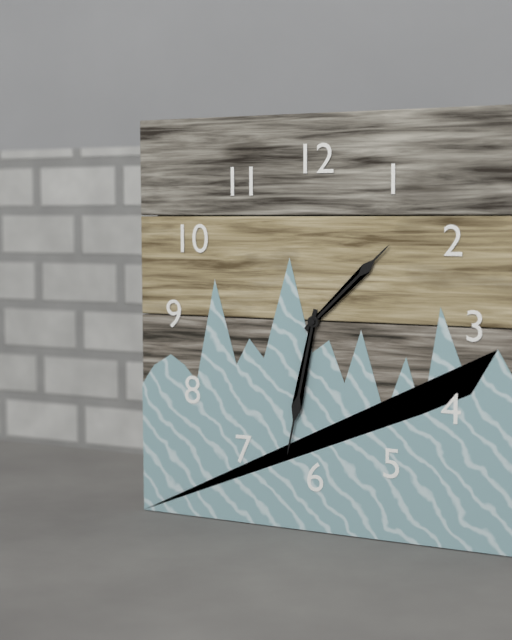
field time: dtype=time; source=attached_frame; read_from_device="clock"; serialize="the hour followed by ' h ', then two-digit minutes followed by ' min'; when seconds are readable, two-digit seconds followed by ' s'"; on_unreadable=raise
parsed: 1 h 32 min
